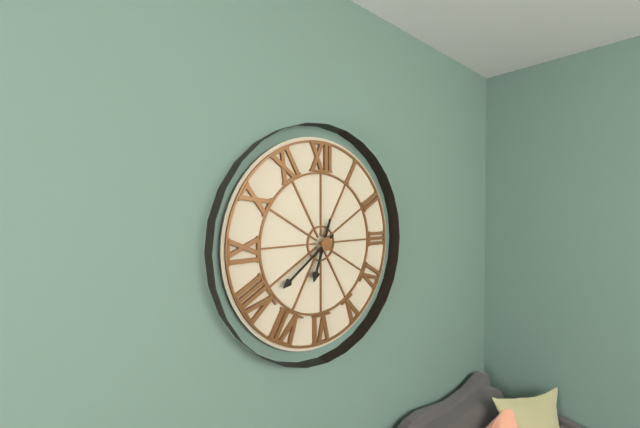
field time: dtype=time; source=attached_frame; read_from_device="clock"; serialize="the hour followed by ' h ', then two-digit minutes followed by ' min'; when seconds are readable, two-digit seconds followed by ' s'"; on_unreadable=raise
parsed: 6 h 39 min
